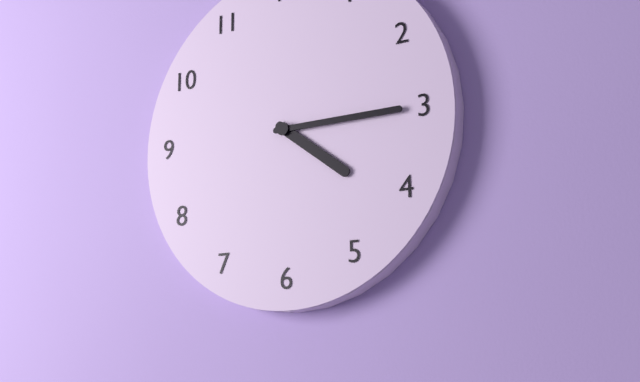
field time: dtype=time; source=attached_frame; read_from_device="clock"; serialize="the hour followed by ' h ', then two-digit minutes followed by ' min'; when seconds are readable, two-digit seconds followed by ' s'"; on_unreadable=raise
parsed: 4 h 15 min
